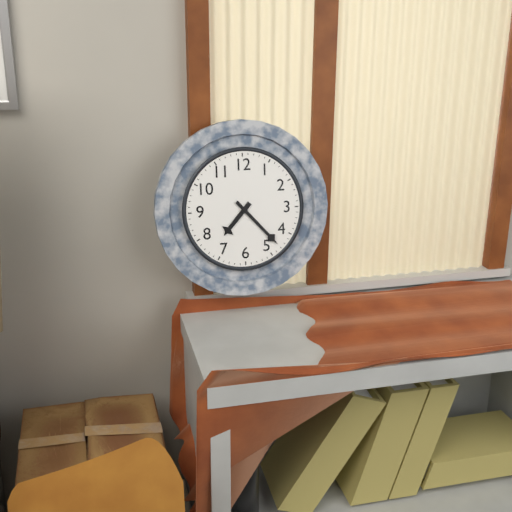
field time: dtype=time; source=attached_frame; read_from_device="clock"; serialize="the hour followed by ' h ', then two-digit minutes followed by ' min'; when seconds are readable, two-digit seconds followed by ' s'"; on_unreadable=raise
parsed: 7 h 23 min
